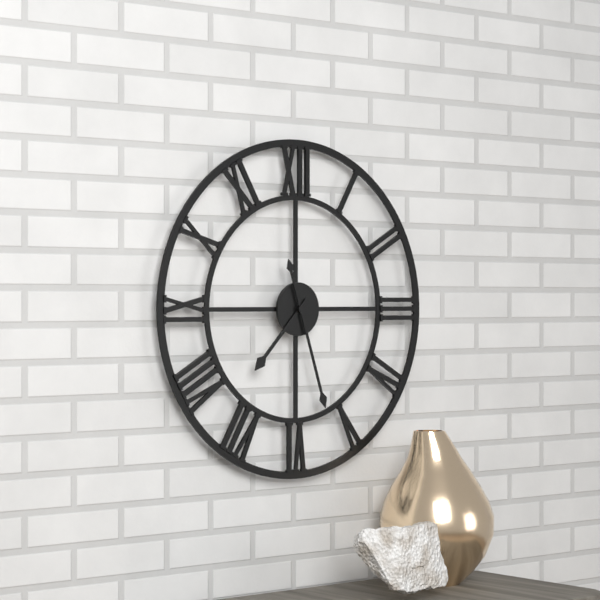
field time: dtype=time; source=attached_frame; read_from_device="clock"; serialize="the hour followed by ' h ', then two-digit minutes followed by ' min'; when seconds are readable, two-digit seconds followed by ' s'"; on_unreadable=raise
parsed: 7 h 27 min
